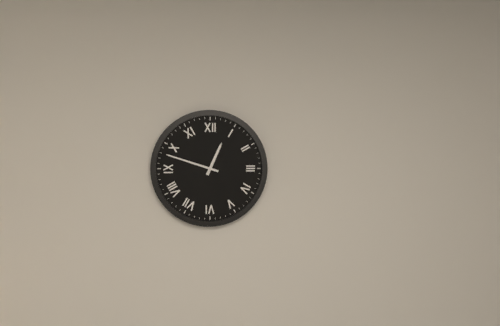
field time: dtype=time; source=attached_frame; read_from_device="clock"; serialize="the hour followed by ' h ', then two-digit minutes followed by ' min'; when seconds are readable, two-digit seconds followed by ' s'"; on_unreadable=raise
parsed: 12 h 48 min
